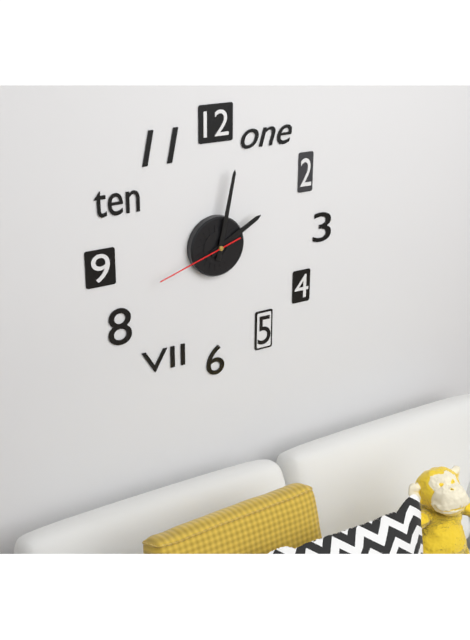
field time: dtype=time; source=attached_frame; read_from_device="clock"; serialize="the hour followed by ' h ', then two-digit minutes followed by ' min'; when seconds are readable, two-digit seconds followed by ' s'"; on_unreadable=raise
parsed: 2 h 02 min 42 s
